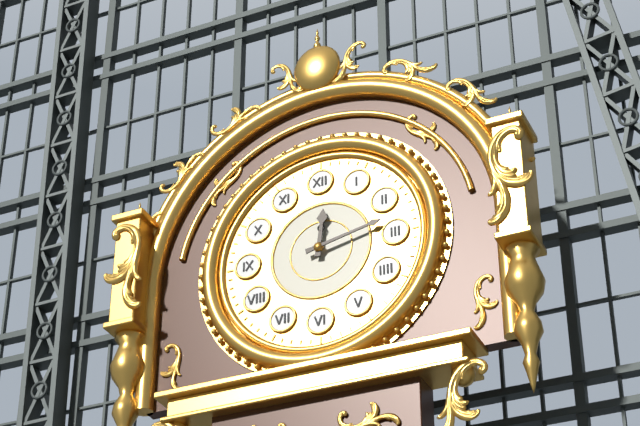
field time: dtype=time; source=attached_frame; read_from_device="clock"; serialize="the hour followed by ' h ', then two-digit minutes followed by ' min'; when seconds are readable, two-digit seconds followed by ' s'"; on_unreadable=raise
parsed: 12 h 13 min
